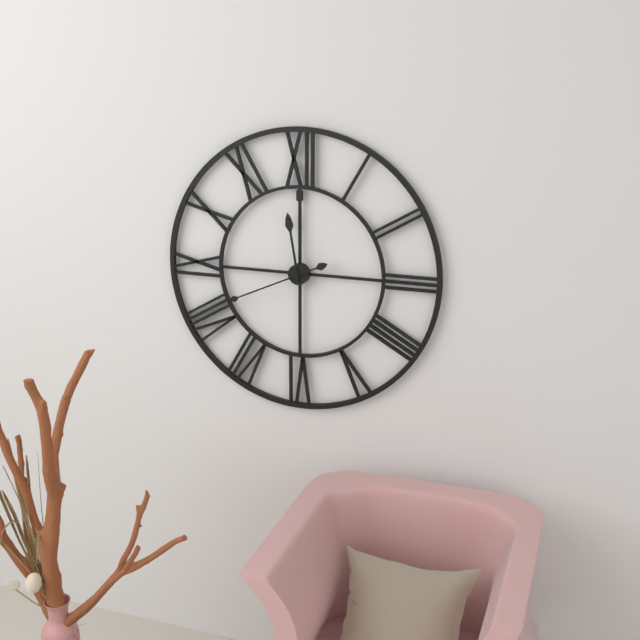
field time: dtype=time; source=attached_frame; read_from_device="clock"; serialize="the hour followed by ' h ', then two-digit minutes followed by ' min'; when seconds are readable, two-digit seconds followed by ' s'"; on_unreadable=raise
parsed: 11 h 41 min
